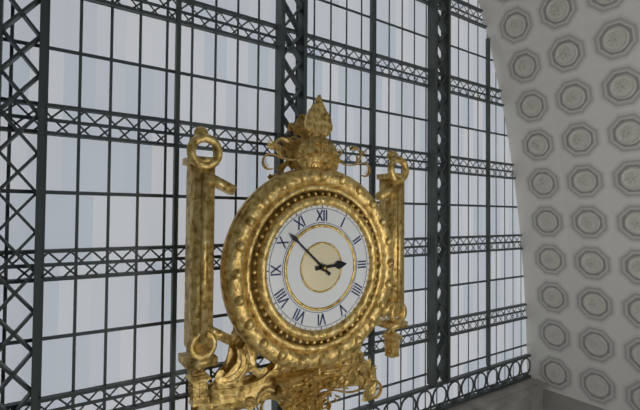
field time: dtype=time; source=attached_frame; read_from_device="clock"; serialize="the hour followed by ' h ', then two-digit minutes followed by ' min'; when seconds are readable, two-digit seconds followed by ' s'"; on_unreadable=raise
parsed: 2 h 52 min
